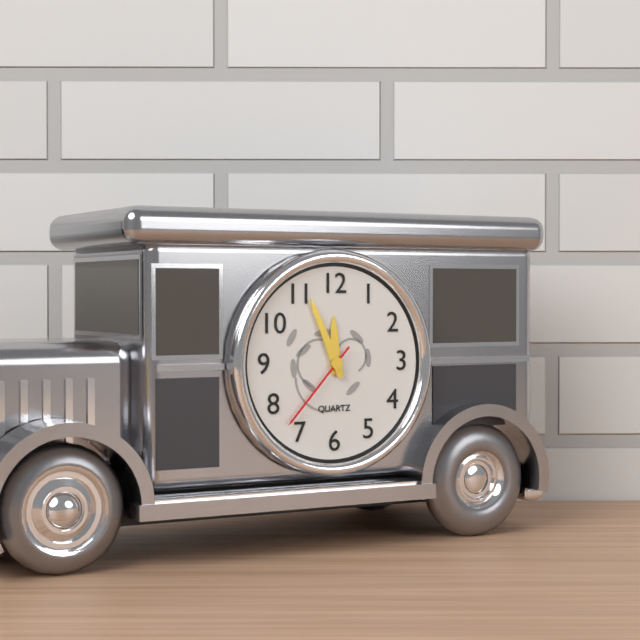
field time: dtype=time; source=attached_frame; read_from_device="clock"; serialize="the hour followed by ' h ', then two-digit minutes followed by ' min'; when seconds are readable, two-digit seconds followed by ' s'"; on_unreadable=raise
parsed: 11 h 56 min 37 s
